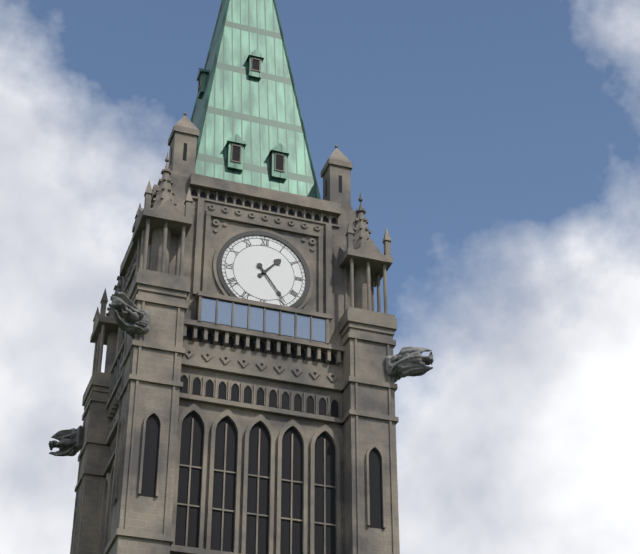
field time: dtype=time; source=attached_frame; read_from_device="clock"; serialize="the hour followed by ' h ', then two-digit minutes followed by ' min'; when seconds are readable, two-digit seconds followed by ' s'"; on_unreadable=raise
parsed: 1 h 24 min
